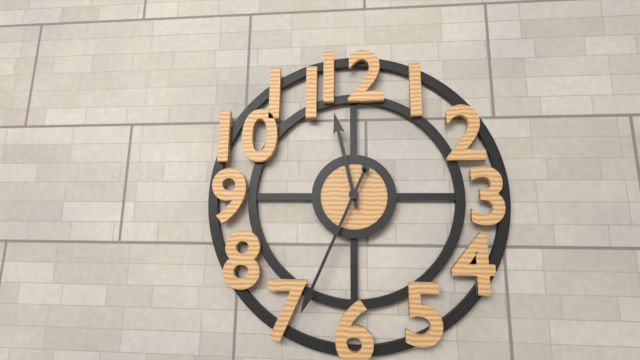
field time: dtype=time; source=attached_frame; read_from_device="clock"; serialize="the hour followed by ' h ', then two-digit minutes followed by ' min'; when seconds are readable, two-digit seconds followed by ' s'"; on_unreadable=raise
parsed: 11 h 34 min
